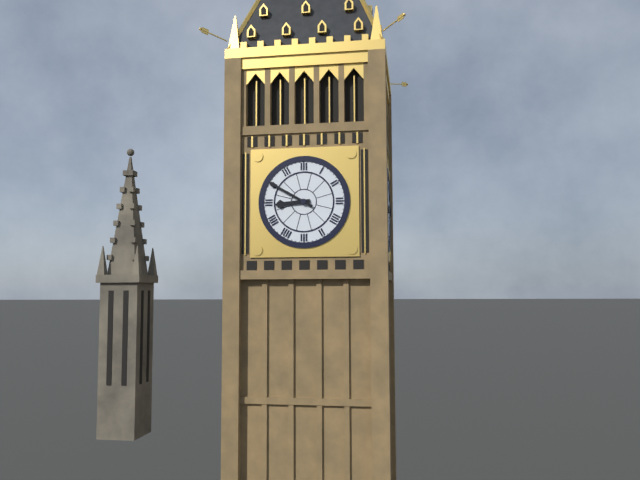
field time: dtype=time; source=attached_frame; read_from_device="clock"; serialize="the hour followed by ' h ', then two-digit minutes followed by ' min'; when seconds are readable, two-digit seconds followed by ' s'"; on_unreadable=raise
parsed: 8 h 50 min
